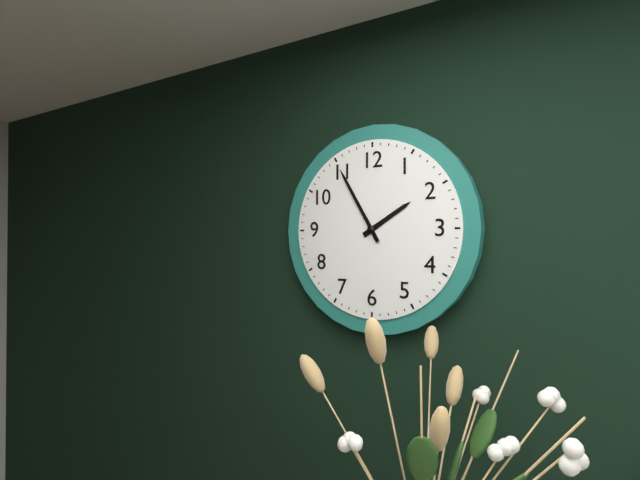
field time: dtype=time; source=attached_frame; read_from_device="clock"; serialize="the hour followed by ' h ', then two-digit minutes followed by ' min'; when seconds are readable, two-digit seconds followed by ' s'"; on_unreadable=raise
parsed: 1 h 55 min
